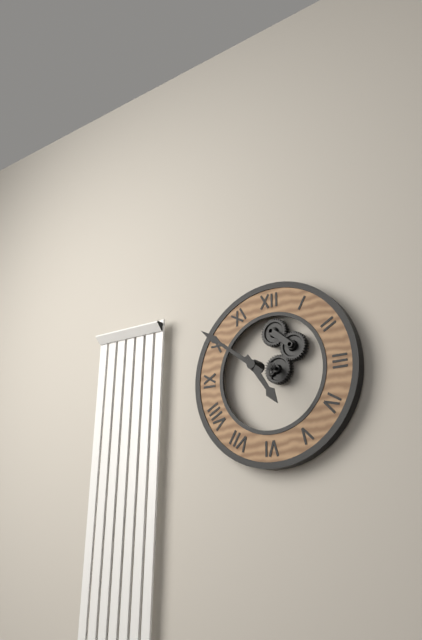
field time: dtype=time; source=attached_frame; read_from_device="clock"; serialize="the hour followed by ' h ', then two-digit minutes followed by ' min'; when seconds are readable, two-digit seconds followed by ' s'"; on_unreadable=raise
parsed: 4 h 51 min
